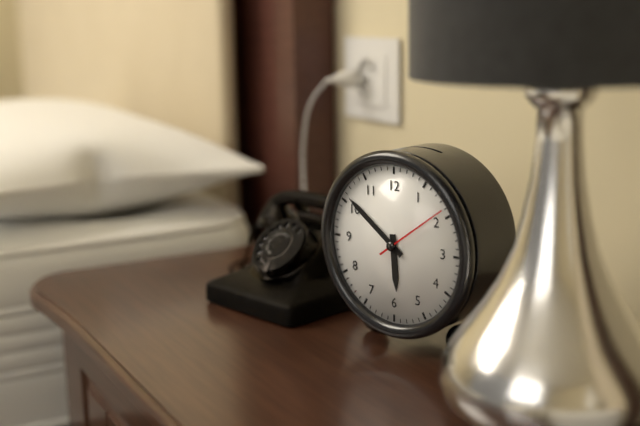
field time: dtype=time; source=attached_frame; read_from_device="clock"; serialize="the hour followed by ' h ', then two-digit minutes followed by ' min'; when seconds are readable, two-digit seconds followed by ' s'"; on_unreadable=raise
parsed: 5 h 51 min 09 s
